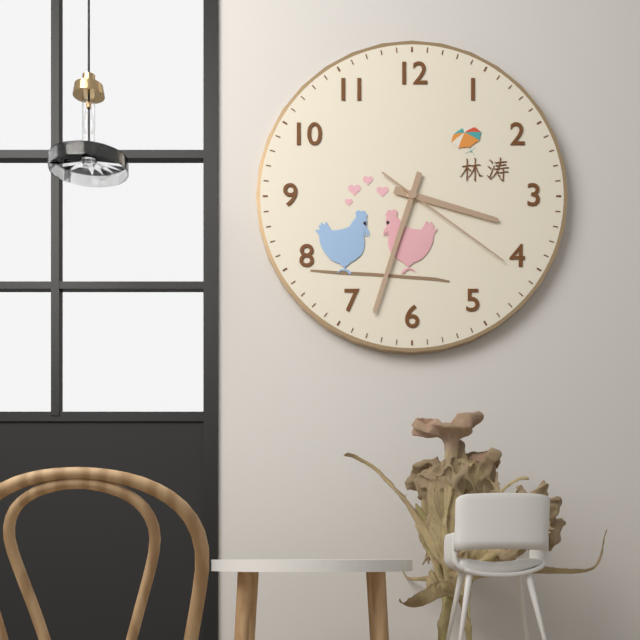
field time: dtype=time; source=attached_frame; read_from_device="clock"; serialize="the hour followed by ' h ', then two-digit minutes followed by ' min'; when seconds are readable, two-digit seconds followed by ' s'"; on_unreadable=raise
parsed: 3 h 33 min 21 s
